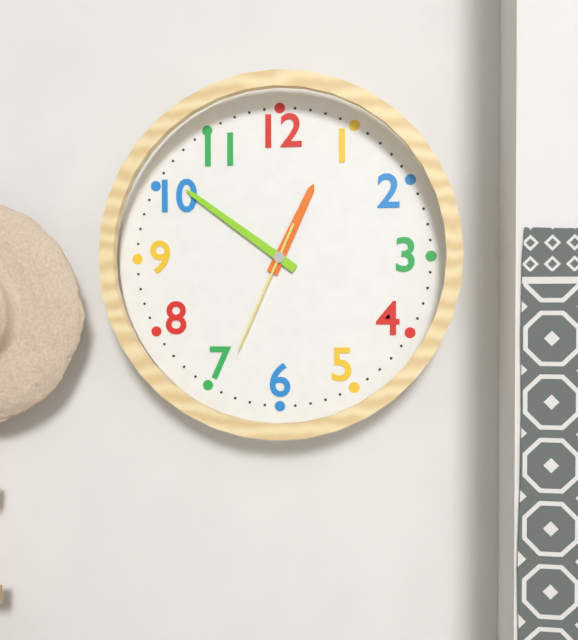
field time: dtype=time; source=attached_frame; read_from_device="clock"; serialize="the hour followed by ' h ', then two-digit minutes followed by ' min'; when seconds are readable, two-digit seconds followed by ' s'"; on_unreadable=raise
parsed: 12 h 51 min 34 s
